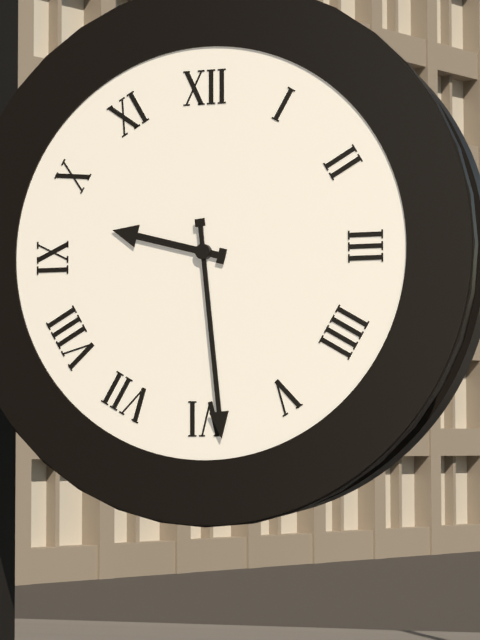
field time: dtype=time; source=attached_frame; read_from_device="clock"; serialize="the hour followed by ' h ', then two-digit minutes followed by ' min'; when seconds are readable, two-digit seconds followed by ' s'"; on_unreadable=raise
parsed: 9 h 29 min
